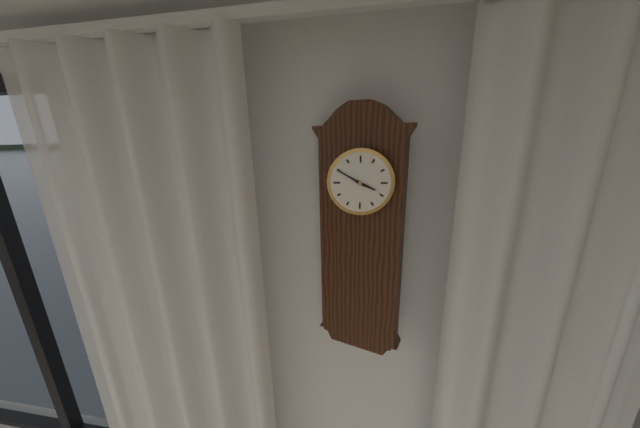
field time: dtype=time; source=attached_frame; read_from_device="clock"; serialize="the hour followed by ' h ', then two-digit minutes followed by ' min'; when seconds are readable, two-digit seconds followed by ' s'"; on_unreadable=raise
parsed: 3 h 50 min
